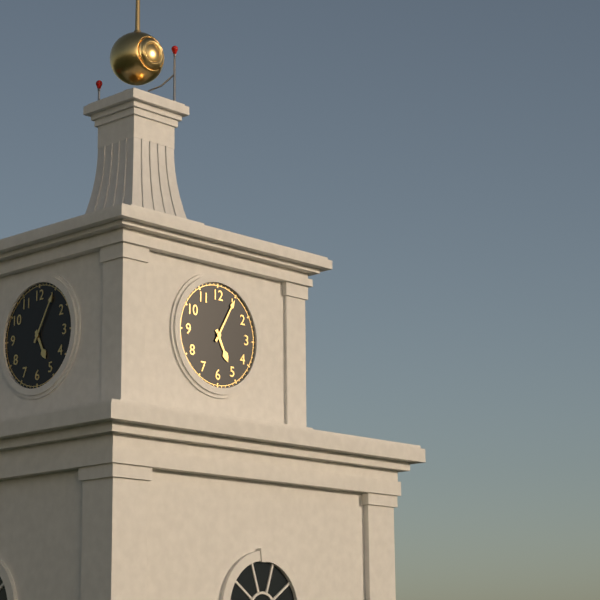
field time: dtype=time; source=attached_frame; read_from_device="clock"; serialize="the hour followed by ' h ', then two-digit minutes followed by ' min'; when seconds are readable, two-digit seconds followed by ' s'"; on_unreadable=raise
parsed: 5 h 05 min
